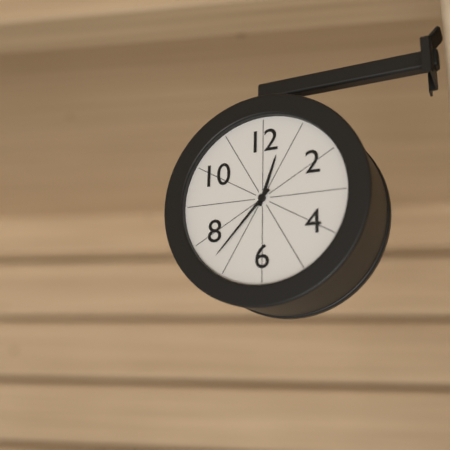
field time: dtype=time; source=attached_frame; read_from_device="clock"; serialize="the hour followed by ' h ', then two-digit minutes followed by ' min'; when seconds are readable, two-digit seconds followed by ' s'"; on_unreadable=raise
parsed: 12 h 37 min
